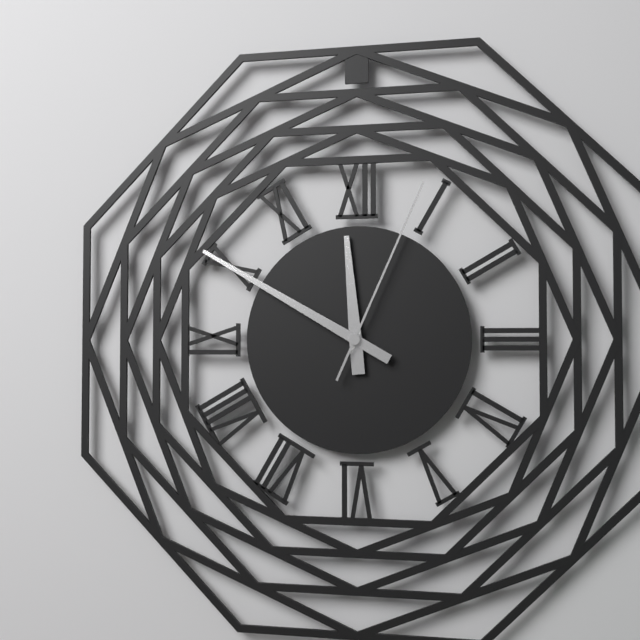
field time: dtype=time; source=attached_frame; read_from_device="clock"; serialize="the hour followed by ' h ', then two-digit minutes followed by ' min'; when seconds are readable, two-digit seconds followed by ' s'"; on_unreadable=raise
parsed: 11 h 50 min 04 s
